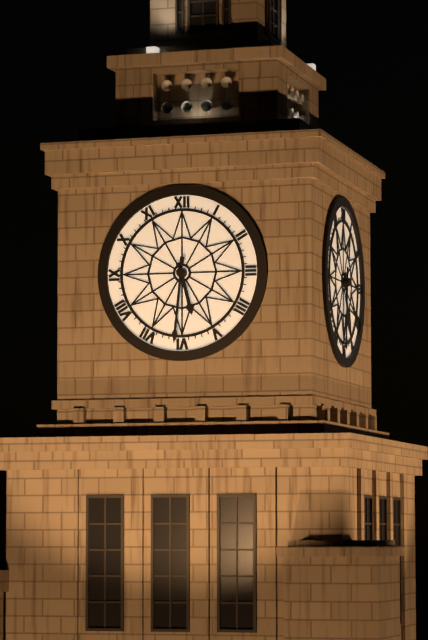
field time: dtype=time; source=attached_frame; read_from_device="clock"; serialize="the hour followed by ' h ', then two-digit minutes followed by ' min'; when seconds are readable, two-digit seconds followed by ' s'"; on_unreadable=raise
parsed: 5 h 31 min
